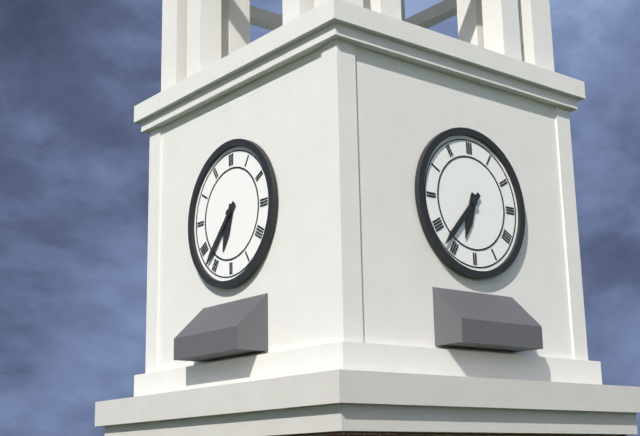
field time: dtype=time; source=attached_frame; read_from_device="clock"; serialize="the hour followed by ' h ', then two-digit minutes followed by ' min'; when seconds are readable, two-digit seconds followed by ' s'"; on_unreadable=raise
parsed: 6 h 37 min
